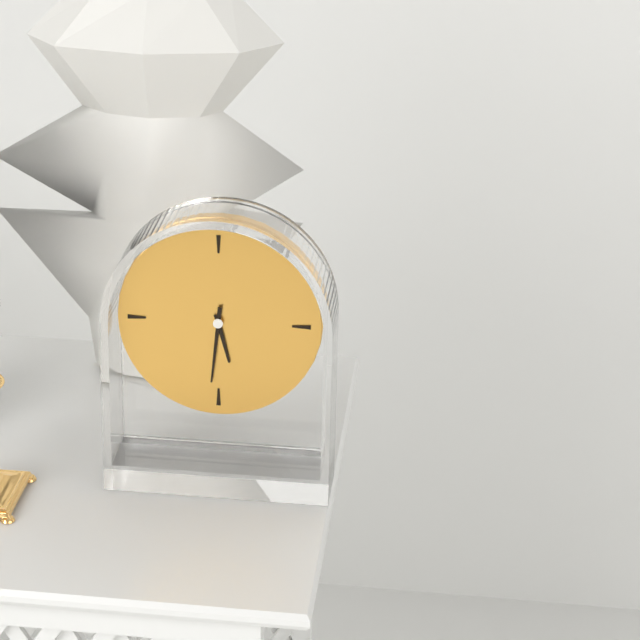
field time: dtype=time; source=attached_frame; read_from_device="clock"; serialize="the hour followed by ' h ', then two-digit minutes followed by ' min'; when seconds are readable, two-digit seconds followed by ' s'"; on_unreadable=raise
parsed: 5 h 31 min
